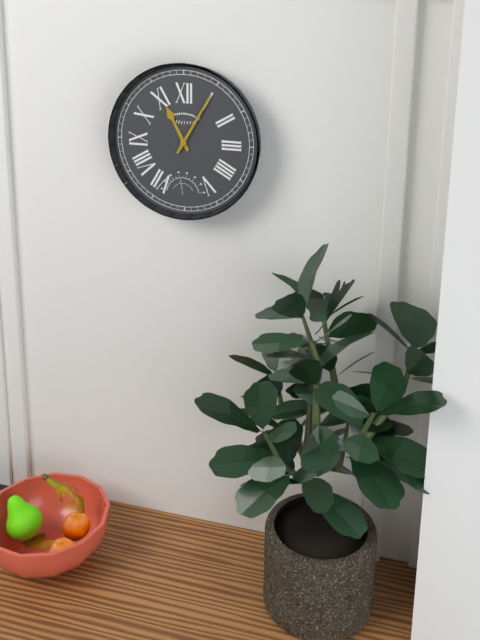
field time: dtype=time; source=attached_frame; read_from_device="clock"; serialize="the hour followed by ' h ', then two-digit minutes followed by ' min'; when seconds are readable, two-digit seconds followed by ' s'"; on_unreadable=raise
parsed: 11 h 05 min
